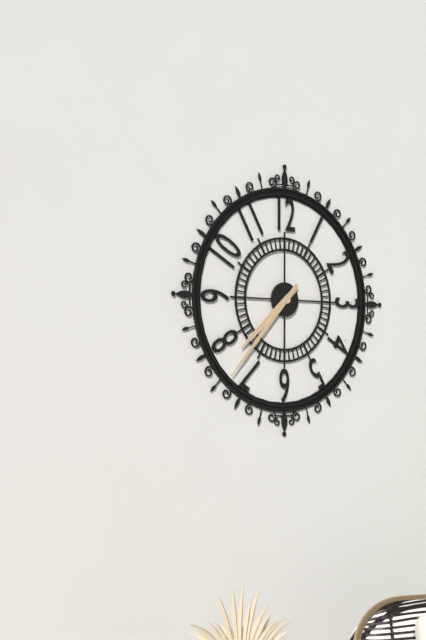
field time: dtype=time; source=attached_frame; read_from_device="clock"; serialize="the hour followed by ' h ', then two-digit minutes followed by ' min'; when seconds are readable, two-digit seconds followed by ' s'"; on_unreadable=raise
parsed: 7 h 37 min
